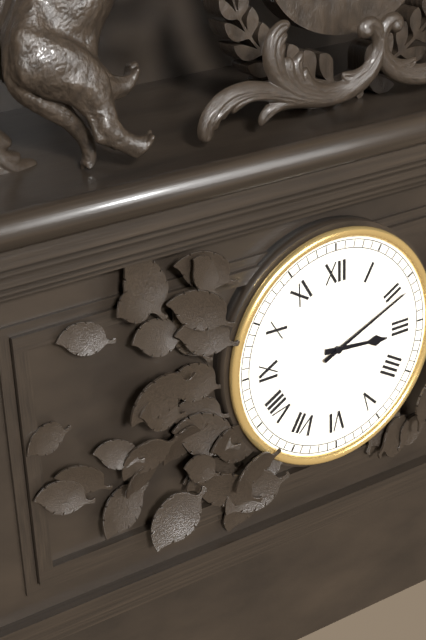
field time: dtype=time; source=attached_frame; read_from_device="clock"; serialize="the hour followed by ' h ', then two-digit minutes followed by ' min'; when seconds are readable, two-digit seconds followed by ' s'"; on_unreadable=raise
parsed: 3 h 11 min
